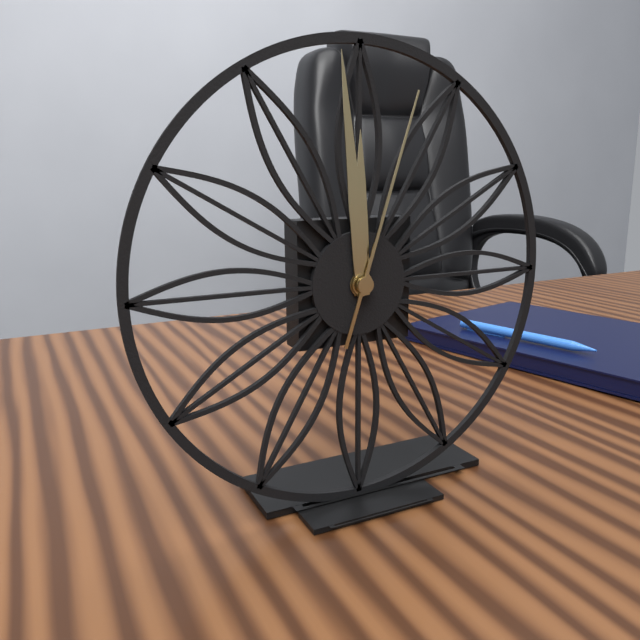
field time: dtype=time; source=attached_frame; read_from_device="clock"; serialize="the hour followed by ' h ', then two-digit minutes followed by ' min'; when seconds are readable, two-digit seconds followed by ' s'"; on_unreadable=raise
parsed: 11 h 59 min 03 s
